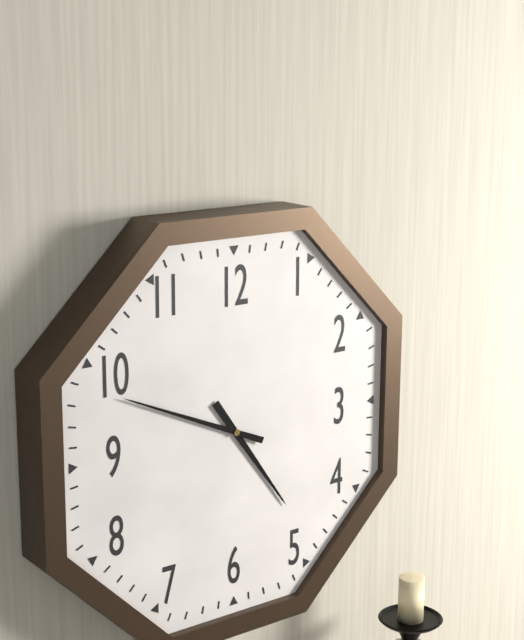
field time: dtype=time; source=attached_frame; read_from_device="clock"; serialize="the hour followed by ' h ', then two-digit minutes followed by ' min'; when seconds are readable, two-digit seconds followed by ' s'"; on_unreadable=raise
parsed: 4 h 49 min
